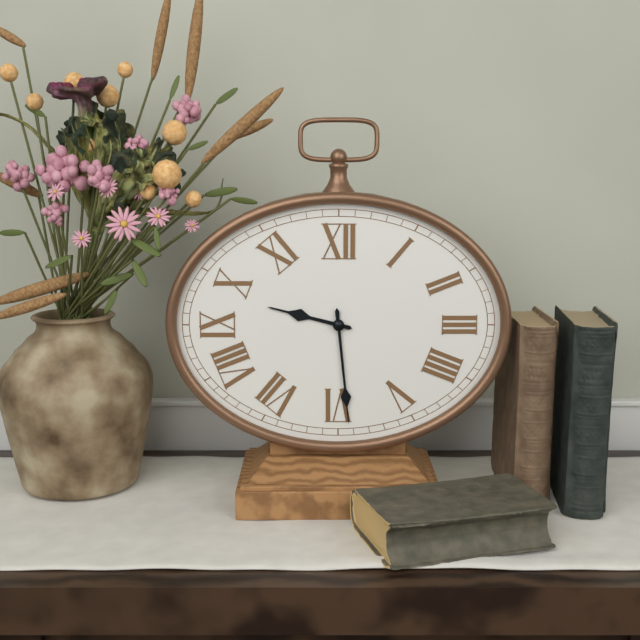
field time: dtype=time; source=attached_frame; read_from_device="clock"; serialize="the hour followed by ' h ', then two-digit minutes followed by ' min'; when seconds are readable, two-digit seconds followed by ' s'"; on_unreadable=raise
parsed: 9 h 29 min
